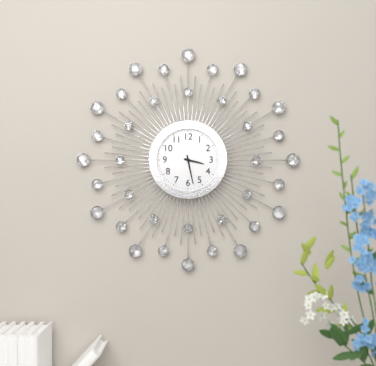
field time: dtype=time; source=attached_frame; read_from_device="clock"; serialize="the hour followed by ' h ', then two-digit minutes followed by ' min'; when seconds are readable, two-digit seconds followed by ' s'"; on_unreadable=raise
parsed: 3 h 28 min
